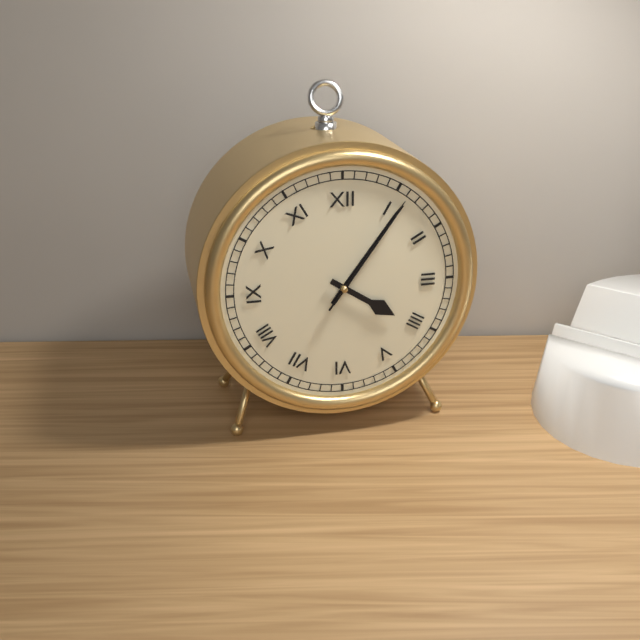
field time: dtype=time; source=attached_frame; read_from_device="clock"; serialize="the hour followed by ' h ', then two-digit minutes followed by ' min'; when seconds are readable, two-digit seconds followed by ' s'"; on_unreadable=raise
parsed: 4 h 06 min 06 s
